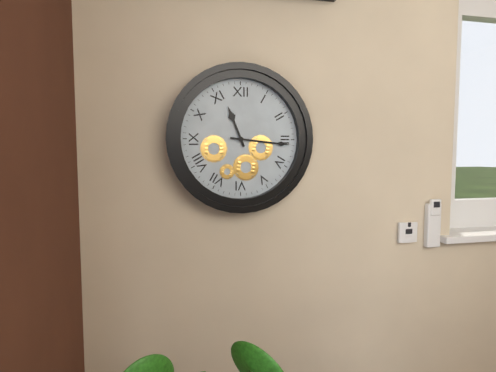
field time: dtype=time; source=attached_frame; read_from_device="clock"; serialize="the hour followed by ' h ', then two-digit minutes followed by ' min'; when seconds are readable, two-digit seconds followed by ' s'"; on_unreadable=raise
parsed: 11 h 16 min
